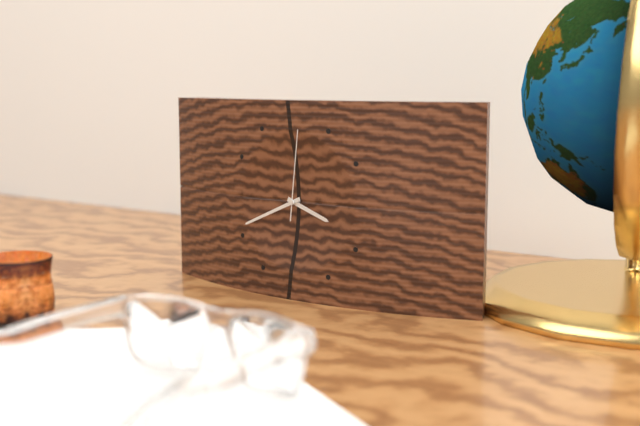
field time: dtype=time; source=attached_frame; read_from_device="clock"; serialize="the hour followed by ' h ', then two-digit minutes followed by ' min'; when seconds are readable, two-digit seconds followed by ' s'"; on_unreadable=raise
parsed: 3 h 41 min 01 s
